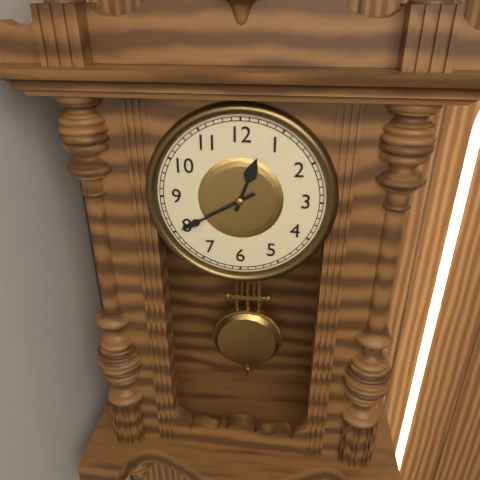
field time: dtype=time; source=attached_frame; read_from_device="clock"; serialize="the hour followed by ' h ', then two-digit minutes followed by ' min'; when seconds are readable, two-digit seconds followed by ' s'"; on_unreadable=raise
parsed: 12 h 40 min
